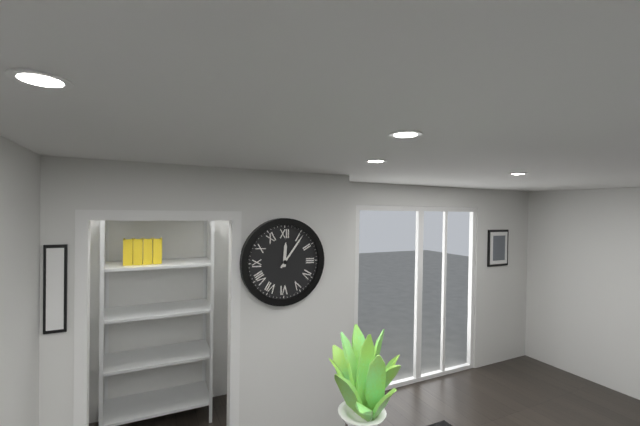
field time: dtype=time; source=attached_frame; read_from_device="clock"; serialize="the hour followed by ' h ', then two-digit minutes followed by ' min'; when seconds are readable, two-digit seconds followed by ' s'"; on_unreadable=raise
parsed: 12 h 06 min
